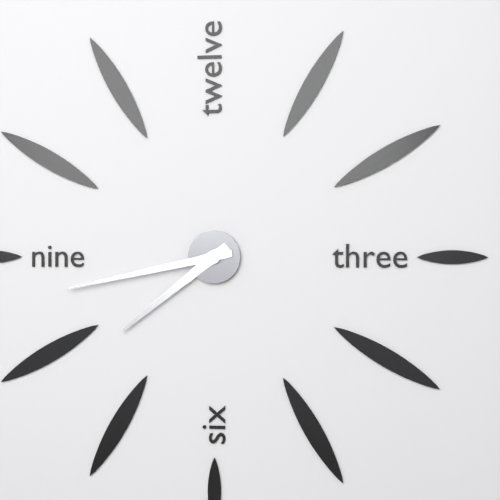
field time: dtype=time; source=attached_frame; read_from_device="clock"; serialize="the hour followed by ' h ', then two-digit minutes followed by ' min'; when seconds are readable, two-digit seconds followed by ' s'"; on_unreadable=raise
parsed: 7 h 43 min
